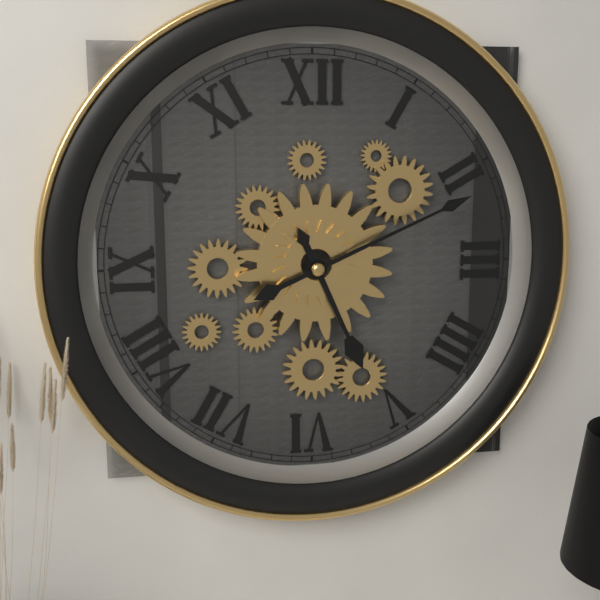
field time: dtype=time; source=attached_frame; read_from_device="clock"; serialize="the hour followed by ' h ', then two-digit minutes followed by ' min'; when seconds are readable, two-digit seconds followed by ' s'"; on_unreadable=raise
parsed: 5 h 11 min
